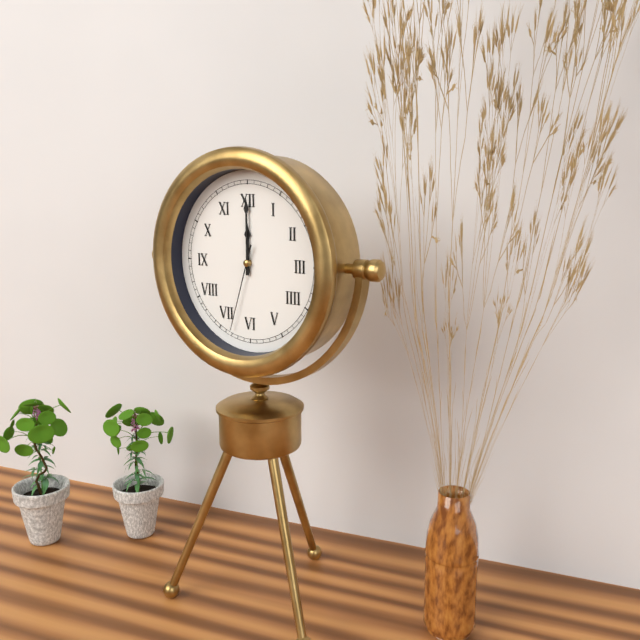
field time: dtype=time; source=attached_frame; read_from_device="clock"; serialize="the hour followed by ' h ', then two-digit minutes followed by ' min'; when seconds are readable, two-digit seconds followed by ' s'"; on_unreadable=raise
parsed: 12 h 00 min 33 s
